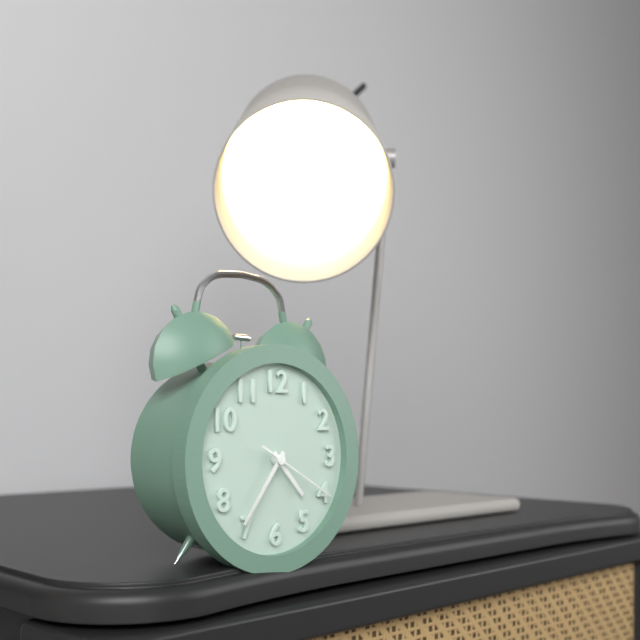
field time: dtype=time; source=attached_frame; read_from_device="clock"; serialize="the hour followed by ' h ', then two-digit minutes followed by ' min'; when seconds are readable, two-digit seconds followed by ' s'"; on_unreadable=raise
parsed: 4 h 36 min 20 s
